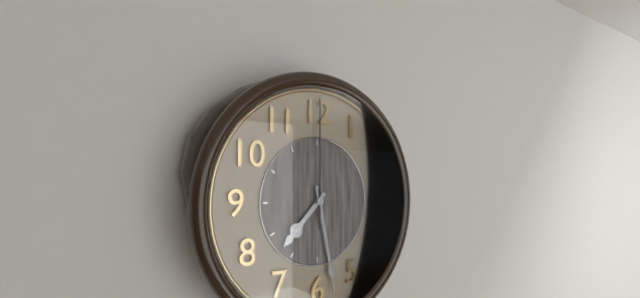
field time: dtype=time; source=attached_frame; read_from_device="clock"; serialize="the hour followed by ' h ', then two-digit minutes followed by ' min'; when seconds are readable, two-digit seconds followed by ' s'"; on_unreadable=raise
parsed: 7 h 28 min 00 s
